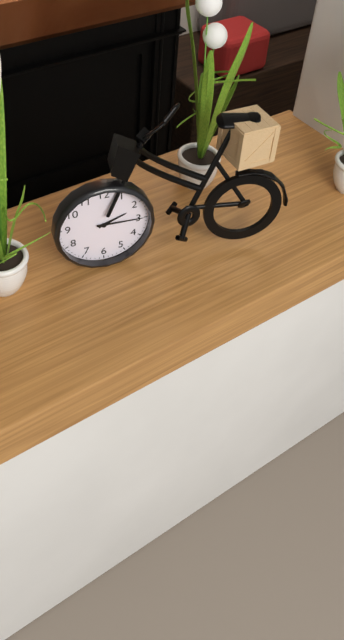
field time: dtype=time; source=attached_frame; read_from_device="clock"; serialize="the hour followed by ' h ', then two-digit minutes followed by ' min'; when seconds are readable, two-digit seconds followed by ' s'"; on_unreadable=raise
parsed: 2 h 15 min
